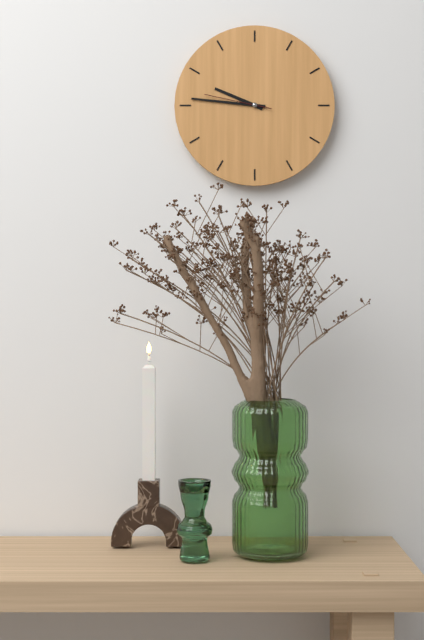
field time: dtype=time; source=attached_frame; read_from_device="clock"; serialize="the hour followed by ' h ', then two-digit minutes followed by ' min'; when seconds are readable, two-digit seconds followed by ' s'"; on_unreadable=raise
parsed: 9 h 46 min 47 s
